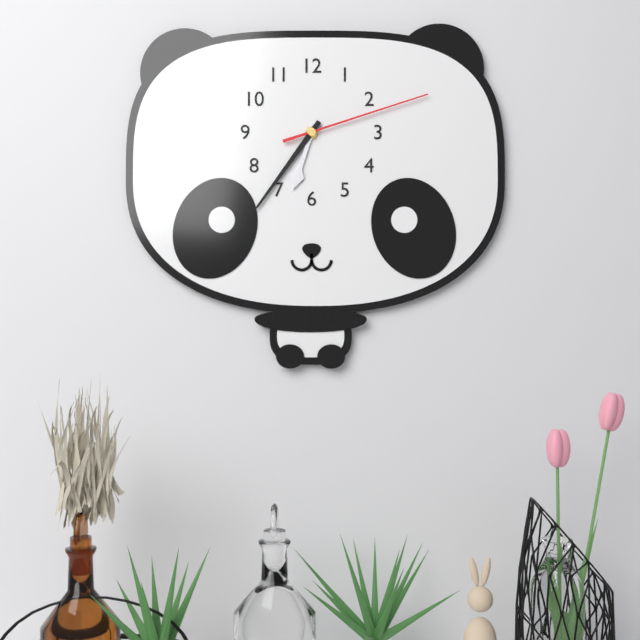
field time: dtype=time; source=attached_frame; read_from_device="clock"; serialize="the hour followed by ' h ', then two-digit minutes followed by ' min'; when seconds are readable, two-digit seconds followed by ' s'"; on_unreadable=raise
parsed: 6 h 36 min 12 s
